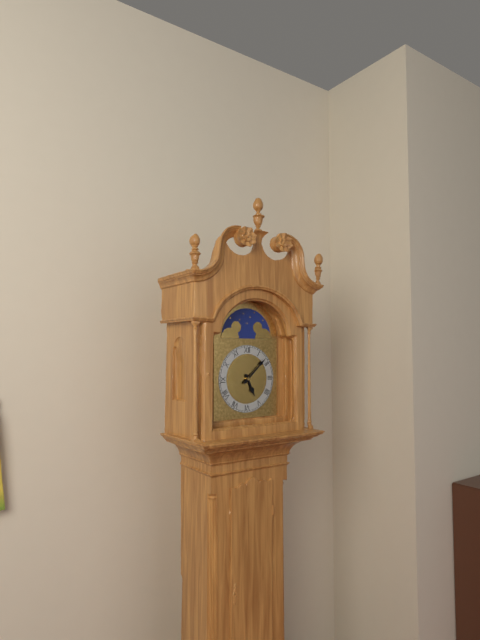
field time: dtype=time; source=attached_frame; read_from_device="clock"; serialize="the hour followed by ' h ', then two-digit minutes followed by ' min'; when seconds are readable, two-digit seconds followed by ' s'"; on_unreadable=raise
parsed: 5 h 08 min
